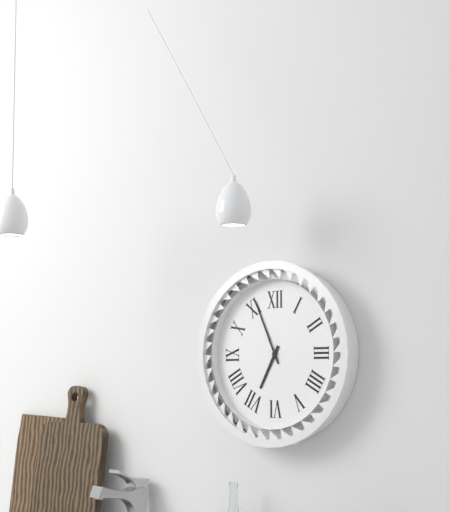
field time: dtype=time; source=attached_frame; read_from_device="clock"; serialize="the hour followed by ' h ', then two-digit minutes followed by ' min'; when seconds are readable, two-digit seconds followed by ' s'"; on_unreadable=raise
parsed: 6 h 56 min
